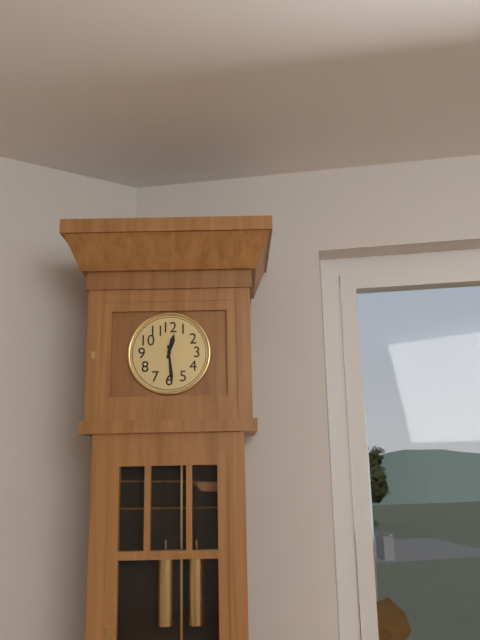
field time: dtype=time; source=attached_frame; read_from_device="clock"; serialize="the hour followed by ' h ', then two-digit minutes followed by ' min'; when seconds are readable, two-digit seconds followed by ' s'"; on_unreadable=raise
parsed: 12 h 29 min
